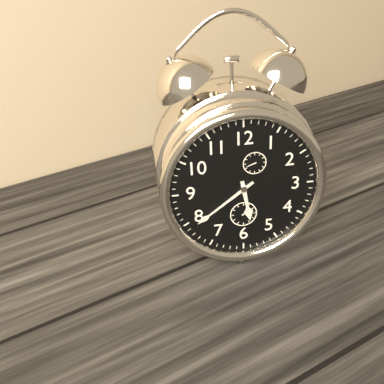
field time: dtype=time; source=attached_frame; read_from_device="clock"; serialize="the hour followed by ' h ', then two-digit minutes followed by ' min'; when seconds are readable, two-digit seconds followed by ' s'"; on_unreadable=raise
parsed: 5 h 39 min
